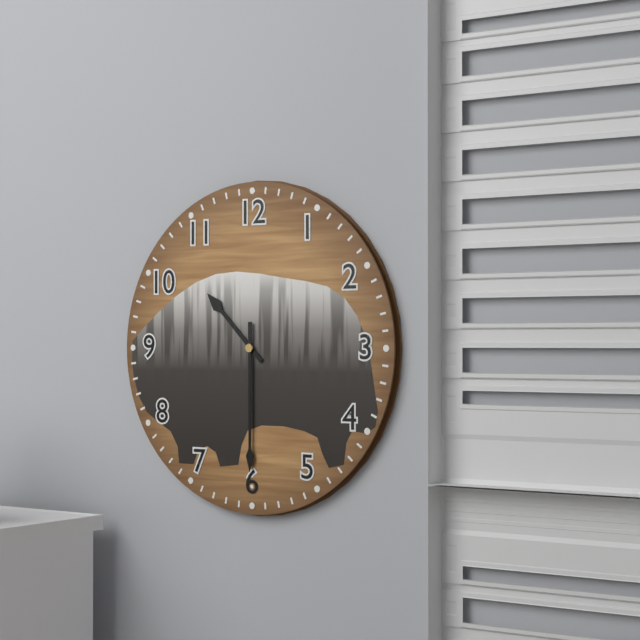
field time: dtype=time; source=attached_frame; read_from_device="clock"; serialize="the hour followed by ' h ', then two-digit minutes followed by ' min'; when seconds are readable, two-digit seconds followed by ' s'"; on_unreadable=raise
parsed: 10 h 30 min
